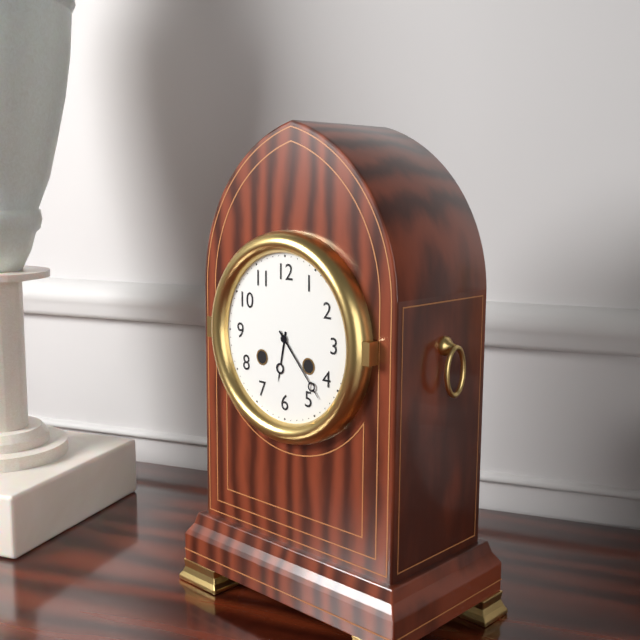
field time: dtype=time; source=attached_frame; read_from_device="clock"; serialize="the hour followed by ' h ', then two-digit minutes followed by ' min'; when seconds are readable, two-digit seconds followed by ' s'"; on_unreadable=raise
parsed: 6 h 23 min
